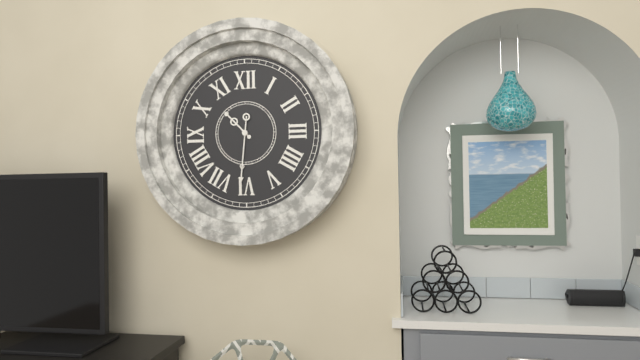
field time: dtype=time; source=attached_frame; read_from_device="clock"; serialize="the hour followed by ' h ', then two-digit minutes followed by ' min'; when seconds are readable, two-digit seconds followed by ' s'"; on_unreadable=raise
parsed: 10 h 31 min
